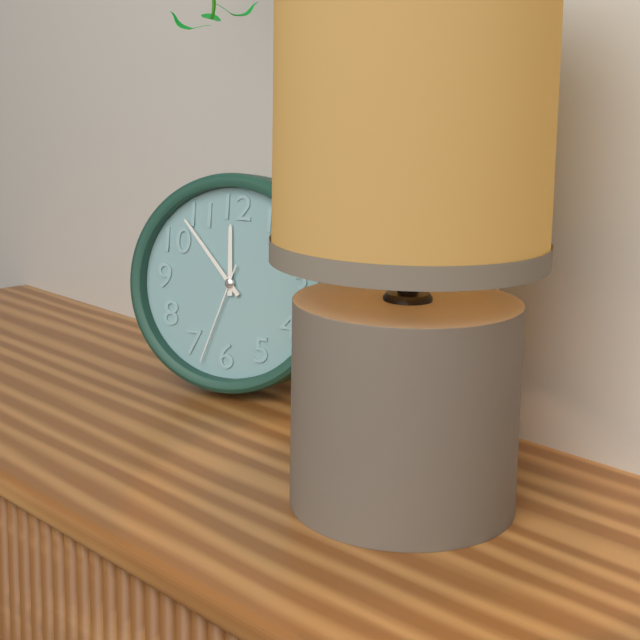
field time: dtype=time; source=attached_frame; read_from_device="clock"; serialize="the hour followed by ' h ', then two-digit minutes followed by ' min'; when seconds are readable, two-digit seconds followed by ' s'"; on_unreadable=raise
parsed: 11 h 53 min 33 s
